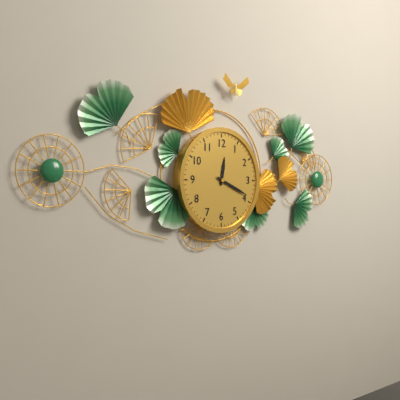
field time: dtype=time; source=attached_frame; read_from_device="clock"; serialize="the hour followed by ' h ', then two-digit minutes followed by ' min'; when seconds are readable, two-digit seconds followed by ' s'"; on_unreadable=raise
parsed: 12 h 19 min
